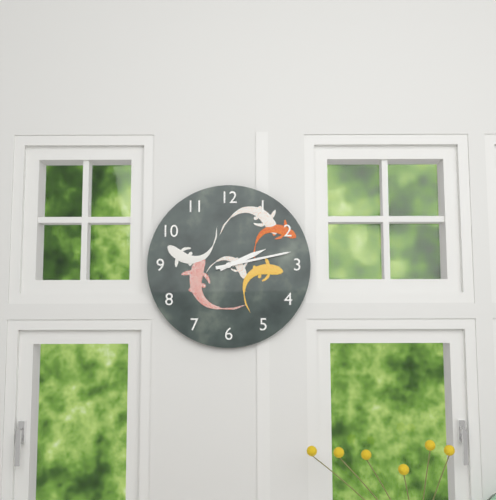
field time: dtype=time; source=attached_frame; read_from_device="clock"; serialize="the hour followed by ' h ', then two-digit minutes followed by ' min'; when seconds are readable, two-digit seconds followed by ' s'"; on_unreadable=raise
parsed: 2 h 13 min
